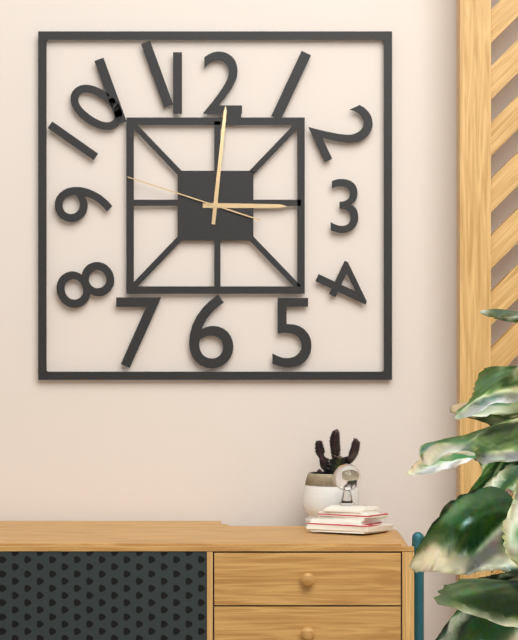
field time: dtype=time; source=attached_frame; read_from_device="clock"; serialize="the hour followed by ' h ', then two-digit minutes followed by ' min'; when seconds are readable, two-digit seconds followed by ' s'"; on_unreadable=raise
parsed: 3 h 01 min 48 s
